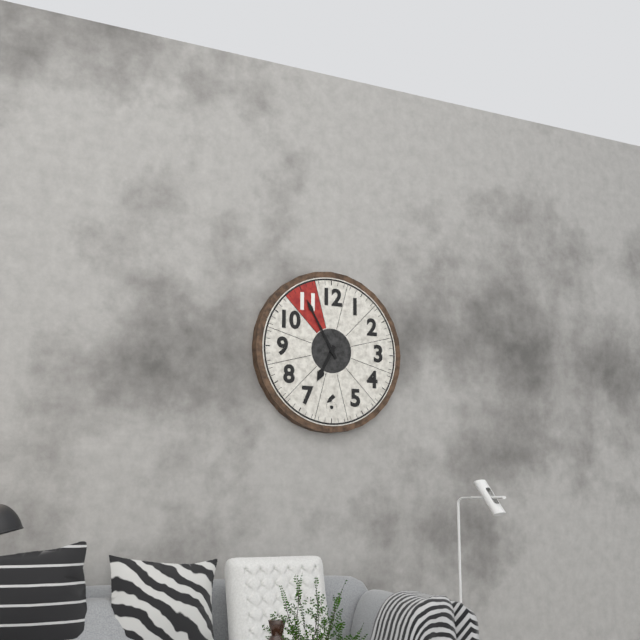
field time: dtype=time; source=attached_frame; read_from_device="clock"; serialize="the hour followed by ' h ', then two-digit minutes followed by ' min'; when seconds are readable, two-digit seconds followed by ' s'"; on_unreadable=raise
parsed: 6 h 55 min
